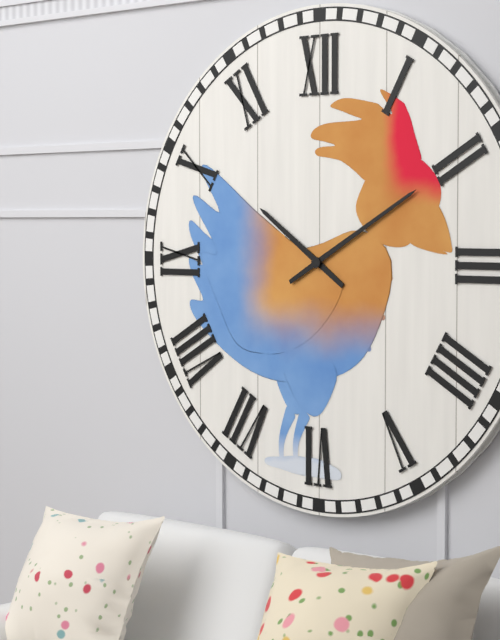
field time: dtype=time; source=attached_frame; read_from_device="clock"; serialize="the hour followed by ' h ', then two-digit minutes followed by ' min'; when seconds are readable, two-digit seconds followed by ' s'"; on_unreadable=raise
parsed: 10 h 10 min
